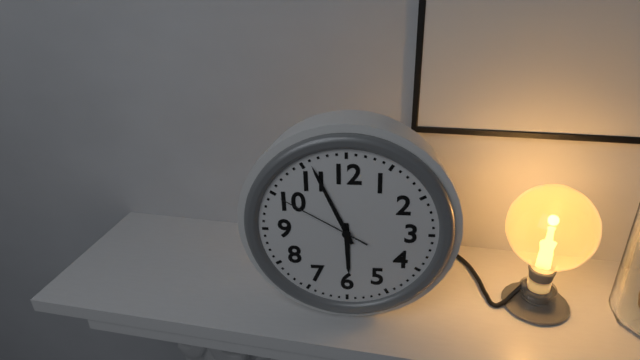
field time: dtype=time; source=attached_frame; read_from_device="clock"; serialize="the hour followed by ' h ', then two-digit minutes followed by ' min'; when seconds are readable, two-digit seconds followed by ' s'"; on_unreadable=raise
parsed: 5 h 56 min 50 s
